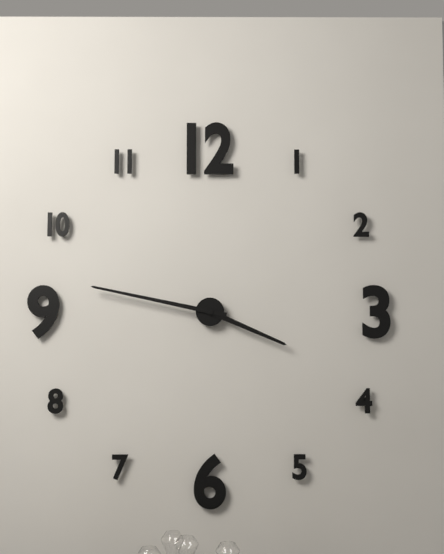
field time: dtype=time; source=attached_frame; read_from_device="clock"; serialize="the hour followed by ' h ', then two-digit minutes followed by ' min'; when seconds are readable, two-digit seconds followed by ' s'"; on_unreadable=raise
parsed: 3 h 47 min
